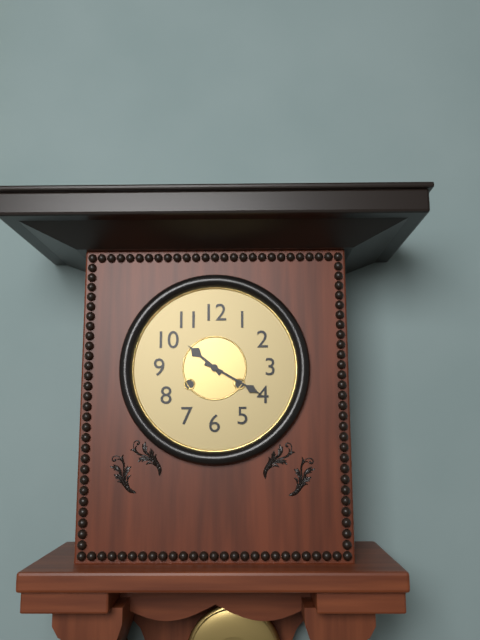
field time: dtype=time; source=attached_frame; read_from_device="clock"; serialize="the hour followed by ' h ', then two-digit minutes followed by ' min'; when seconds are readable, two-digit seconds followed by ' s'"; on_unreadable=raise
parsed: 10 h 20 min
